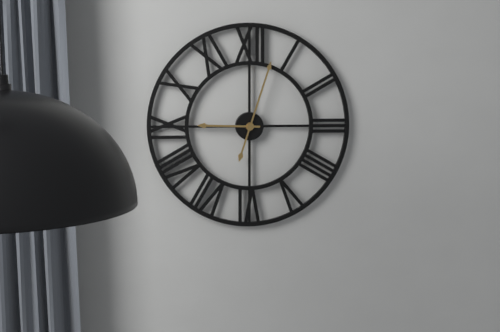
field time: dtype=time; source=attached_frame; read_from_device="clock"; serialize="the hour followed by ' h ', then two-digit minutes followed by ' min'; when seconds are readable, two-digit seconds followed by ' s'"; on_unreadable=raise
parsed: 9 h 03 min
